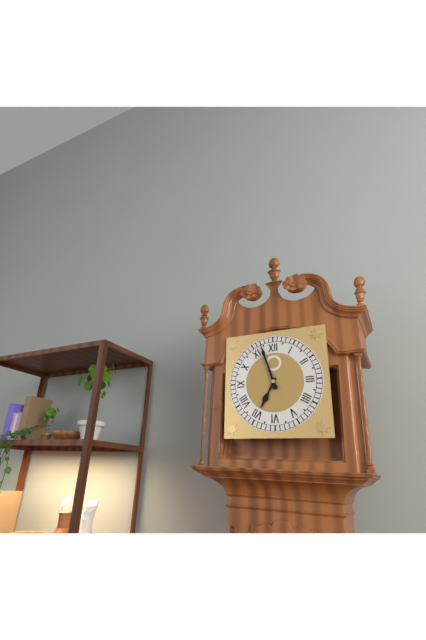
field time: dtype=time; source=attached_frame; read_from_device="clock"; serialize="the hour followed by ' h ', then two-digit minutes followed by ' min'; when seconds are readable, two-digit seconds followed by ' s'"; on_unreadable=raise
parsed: 6 h 57 min
